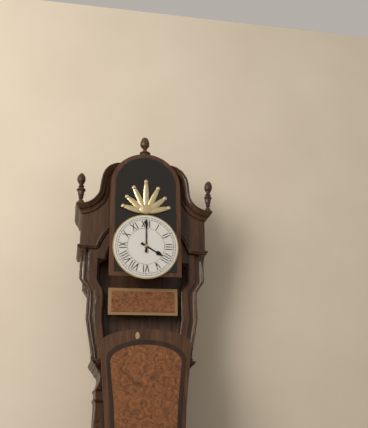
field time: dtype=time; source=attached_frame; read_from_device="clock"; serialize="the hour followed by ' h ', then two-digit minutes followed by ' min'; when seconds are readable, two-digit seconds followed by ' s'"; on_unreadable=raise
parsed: 4 h 00 min
